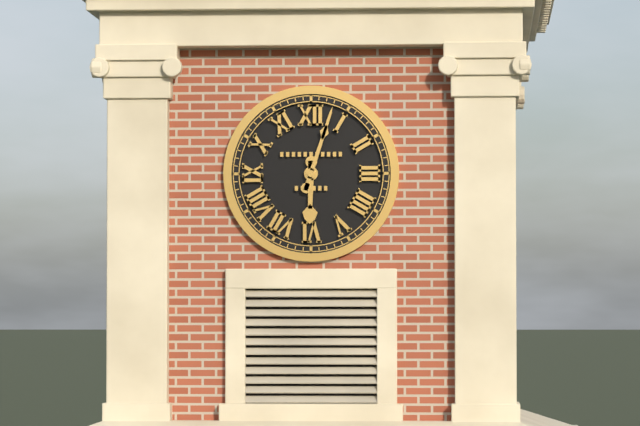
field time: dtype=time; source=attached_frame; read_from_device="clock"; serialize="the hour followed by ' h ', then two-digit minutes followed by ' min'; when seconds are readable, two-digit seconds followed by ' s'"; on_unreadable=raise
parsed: 6 h 03 min
